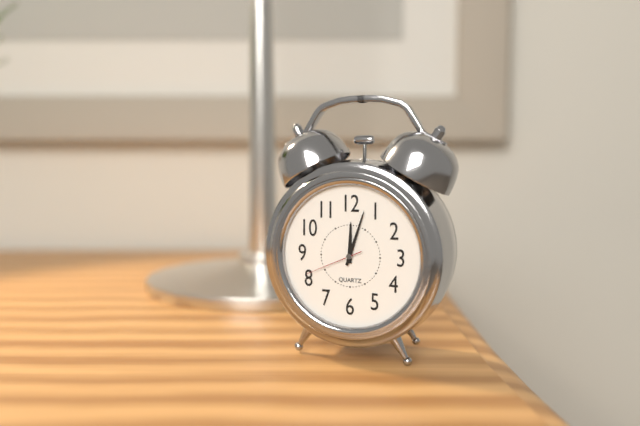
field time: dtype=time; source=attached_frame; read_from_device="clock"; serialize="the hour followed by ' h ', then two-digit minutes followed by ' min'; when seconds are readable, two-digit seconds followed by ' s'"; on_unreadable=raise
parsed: 12 h 03 min 41 s
